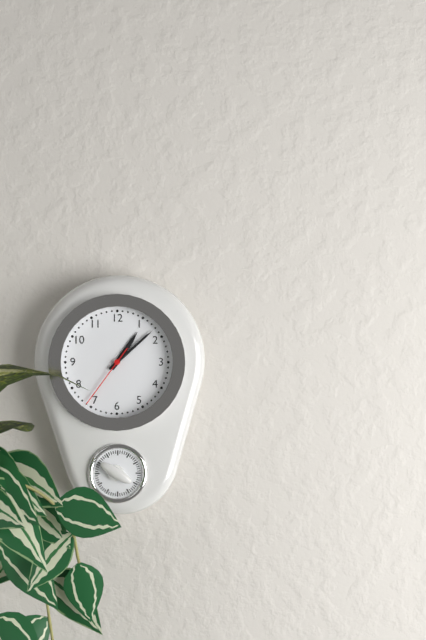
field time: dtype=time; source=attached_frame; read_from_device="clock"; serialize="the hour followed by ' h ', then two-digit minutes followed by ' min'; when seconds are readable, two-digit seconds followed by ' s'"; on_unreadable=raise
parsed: 1 h 08 min 36 s
